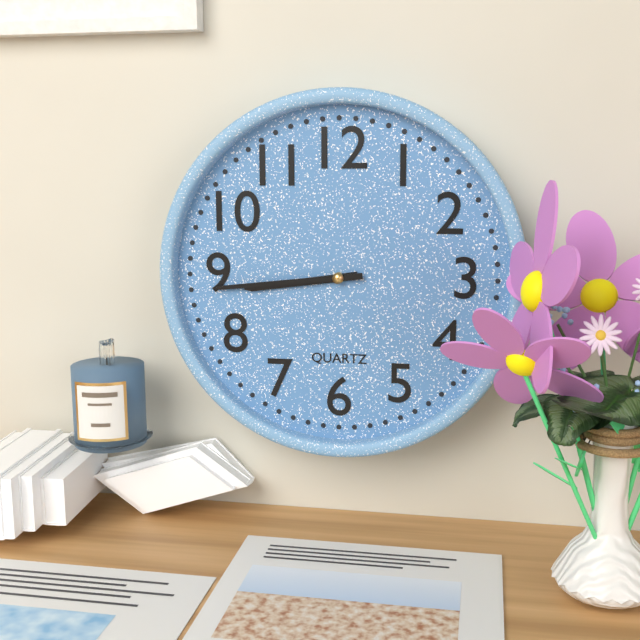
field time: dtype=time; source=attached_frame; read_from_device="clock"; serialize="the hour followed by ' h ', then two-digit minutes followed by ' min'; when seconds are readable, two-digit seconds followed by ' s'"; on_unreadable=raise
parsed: 8 h 44 min
